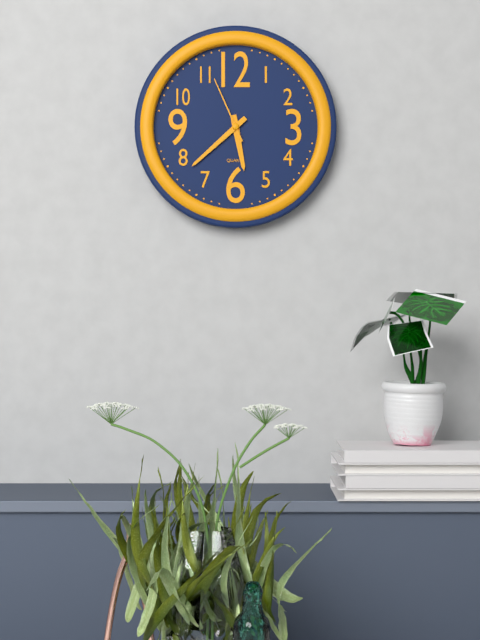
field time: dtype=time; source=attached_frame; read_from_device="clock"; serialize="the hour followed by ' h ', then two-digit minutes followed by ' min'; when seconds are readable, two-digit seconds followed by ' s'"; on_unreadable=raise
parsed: 5 h 38 min 56 s
